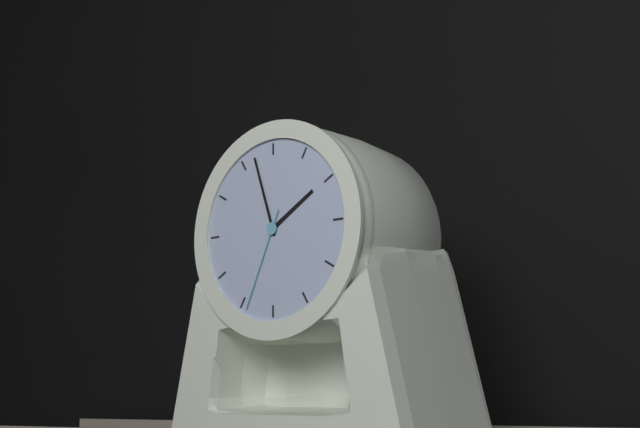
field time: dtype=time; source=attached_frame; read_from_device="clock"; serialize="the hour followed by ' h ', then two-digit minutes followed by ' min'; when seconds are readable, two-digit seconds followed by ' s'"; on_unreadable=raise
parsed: 1 h 57 min 34 s
